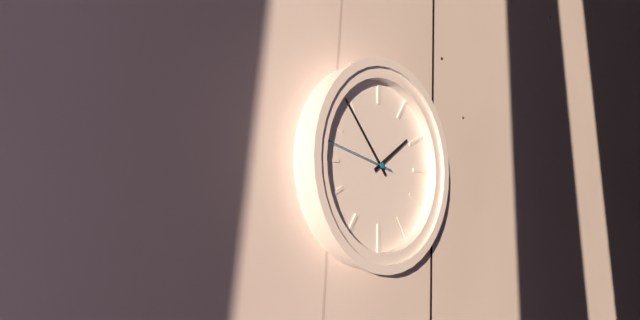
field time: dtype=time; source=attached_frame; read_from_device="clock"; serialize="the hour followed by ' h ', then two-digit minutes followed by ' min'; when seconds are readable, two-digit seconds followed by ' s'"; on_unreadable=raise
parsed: 1 h 53 min 47 s
